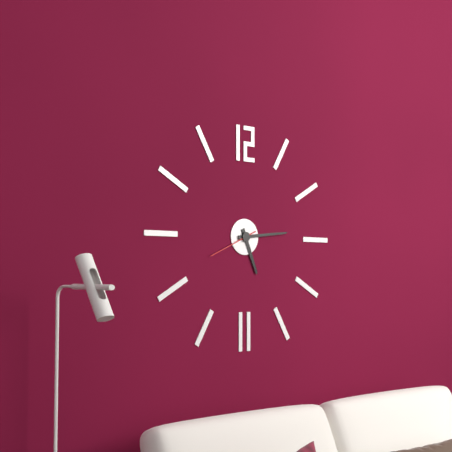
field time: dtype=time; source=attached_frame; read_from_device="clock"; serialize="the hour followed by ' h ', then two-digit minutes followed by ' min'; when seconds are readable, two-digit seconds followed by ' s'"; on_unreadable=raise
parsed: 5 h 14 min
